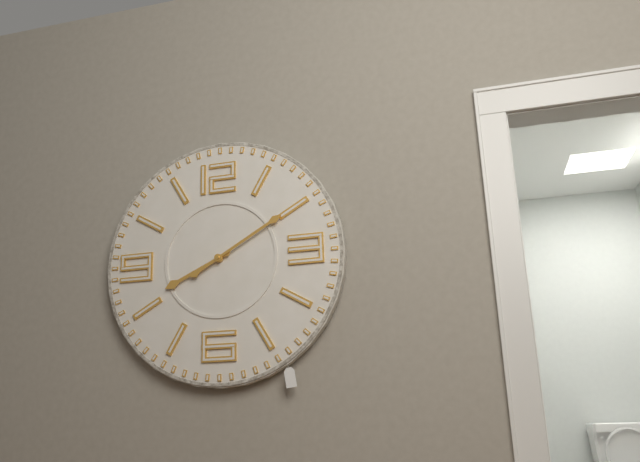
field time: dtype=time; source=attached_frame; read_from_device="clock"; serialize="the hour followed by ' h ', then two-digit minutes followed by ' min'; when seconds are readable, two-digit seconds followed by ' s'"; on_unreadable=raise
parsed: 8 h 10 min
